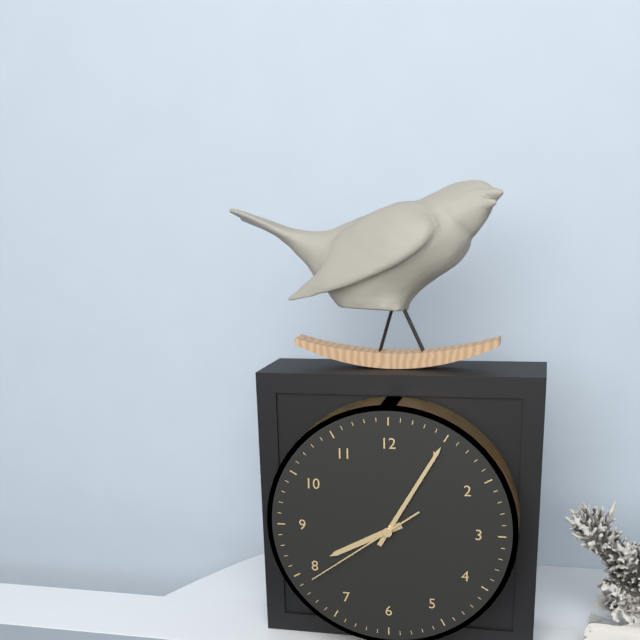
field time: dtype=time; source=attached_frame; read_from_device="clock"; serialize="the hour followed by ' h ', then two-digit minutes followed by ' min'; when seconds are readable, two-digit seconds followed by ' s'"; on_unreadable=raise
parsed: 8 h 05 min 39 s
